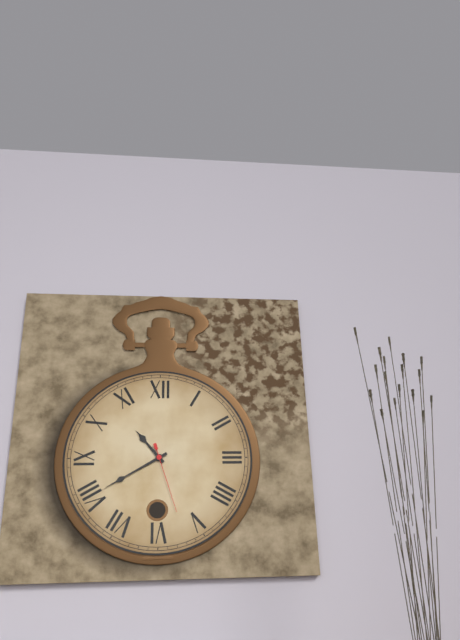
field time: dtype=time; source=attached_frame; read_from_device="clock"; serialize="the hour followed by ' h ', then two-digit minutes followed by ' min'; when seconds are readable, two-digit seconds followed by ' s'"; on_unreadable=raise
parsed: 10 h 40 min 27 s
